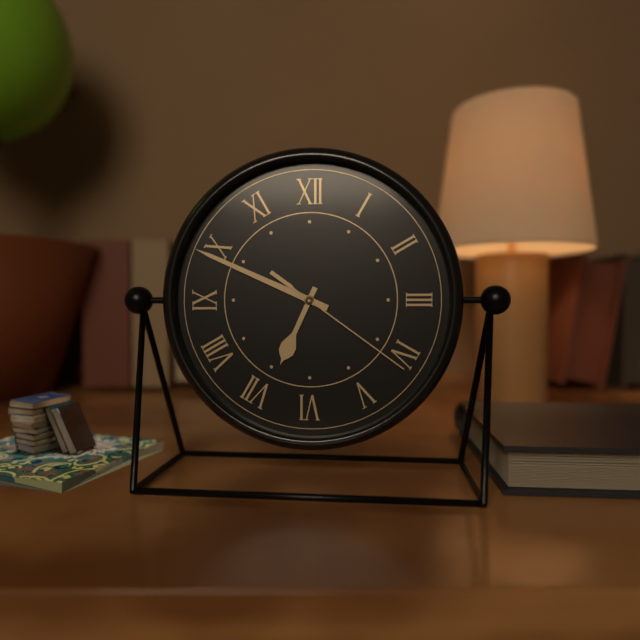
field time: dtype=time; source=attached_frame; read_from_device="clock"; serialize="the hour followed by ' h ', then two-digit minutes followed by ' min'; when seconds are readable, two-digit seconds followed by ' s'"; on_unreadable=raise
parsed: 6 h 49 min 21 s
